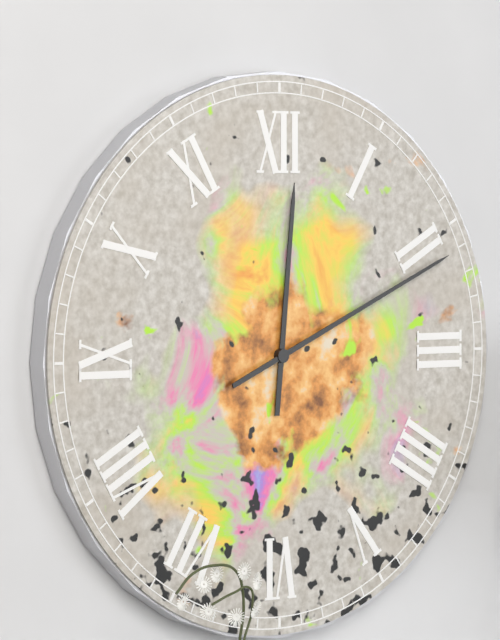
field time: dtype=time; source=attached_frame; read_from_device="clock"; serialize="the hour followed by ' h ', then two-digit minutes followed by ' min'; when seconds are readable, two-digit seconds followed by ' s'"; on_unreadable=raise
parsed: 12 h 11 min
